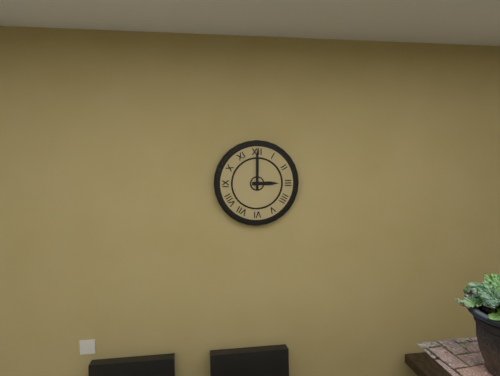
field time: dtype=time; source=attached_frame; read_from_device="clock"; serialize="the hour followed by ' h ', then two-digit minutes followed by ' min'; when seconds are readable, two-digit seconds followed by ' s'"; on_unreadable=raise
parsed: 3 h 00 min
